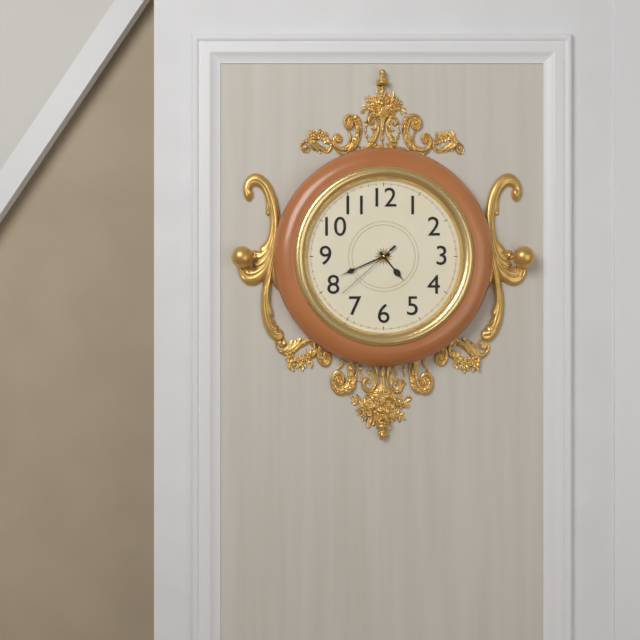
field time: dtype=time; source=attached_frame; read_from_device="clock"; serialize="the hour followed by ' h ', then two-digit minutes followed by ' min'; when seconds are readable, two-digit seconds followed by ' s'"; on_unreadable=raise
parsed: 4 h 41 min 38 s
